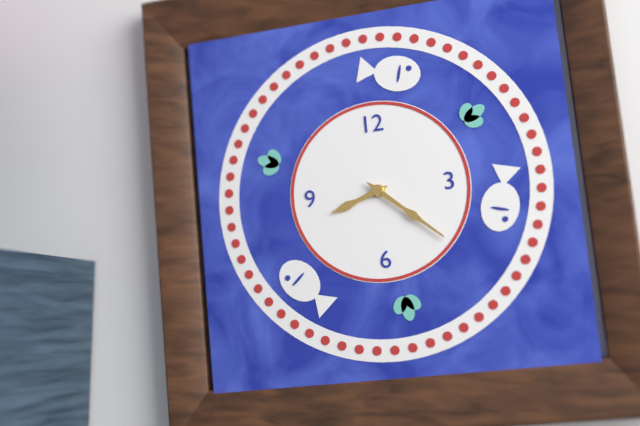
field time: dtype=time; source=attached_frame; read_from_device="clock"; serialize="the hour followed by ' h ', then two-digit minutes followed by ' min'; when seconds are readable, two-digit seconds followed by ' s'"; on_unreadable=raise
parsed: 8 h 22 min
